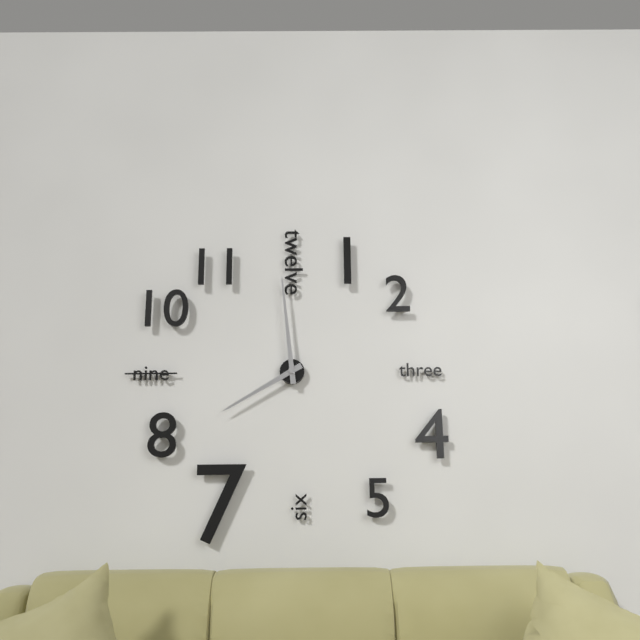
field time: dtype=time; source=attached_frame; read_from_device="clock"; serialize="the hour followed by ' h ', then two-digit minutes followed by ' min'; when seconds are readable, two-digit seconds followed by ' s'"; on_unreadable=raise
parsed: 7 h 59 min
